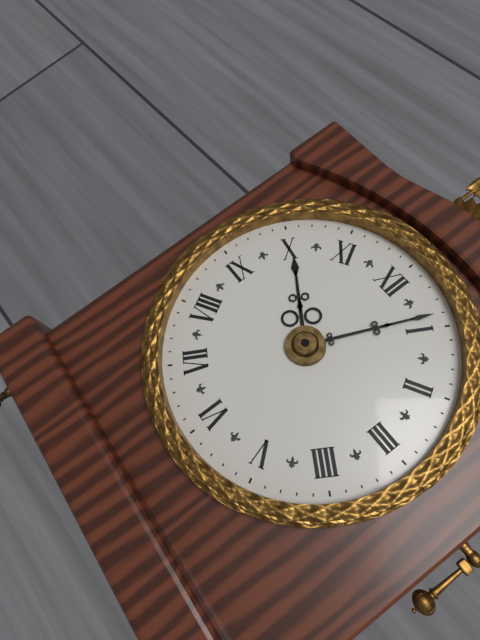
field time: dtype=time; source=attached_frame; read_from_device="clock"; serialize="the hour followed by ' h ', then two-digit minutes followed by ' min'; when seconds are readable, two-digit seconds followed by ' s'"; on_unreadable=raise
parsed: 10 h 04 min
